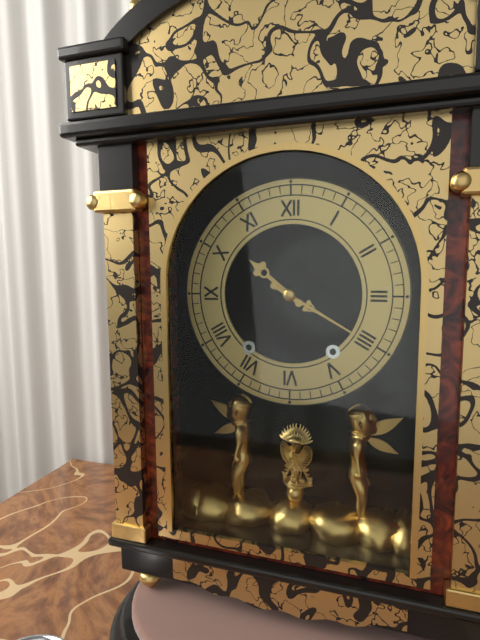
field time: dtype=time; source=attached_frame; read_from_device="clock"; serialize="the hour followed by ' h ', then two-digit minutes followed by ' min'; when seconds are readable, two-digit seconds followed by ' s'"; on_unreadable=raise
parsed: 10 h 20 min
